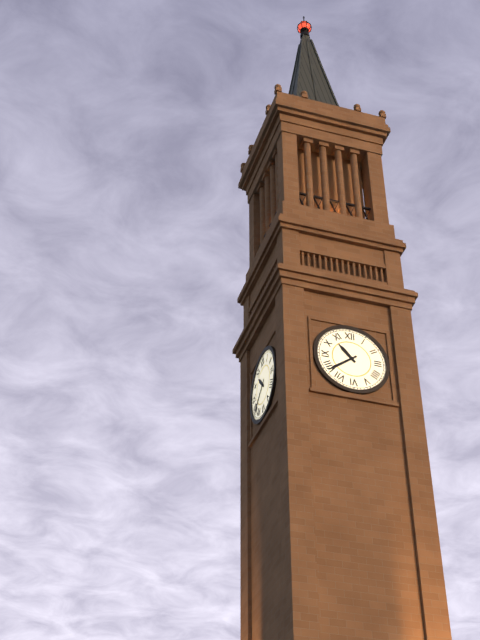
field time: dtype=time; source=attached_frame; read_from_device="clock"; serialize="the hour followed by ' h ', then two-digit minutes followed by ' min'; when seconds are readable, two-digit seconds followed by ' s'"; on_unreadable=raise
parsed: 10 h 39 min
